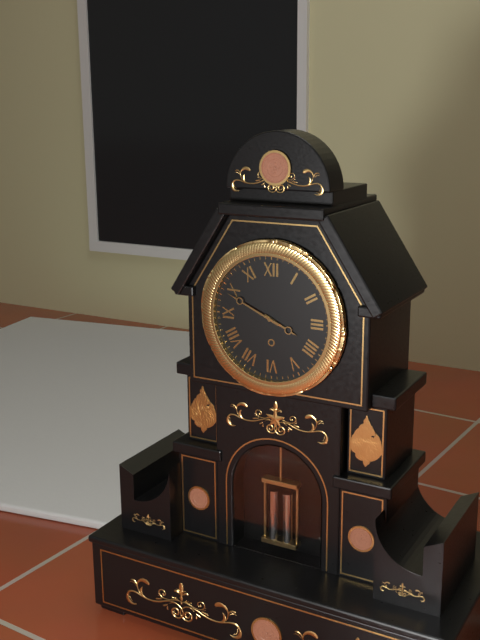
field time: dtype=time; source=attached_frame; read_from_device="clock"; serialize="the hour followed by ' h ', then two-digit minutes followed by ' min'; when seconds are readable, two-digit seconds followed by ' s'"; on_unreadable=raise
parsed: 3 h 49 min
